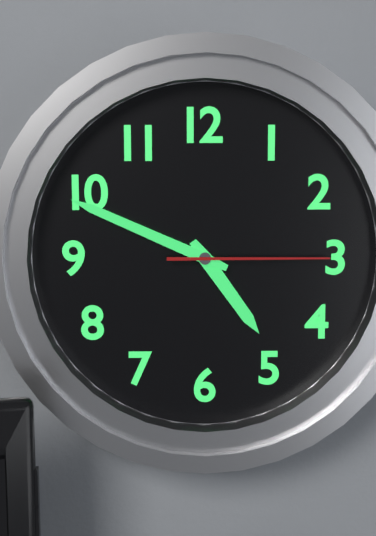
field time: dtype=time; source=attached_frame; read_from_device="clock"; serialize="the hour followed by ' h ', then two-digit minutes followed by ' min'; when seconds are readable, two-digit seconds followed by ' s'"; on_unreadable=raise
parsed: 4 h 49 min 15 s
